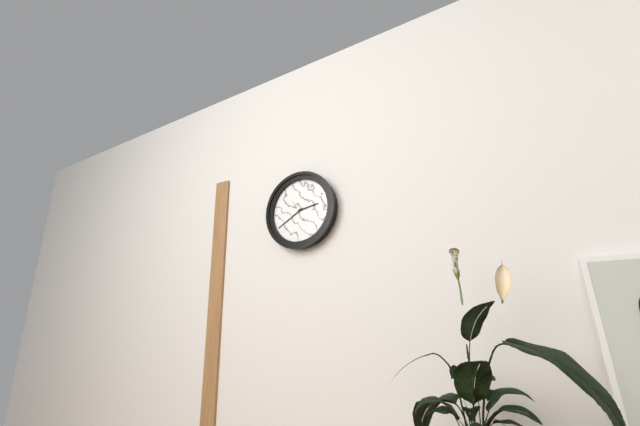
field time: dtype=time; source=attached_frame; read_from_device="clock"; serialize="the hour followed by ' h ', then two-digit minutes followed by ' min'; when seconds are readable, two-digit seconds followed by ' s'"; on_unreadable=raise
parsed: 2 h 40 min
